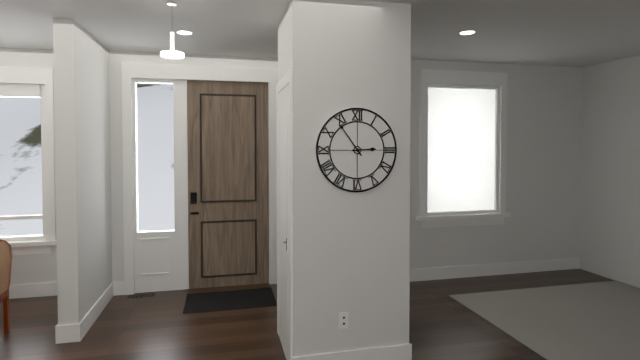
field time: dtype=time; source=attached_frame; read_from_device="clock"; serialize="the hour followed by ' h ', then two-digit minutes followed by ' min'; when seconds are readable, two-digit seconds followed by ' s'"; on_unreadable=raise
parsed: 2 h 54 min
